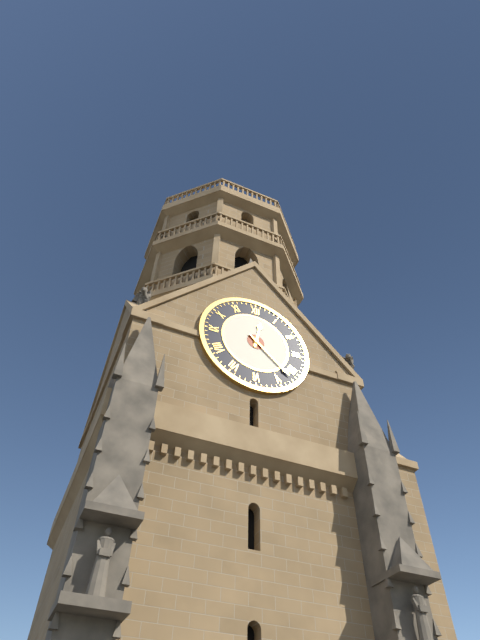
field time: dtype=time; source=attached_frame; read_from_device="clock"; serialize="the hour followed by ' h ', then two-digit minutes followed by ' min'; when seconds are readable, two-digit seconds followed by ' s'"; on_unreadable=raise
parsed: 12 h 22 min
